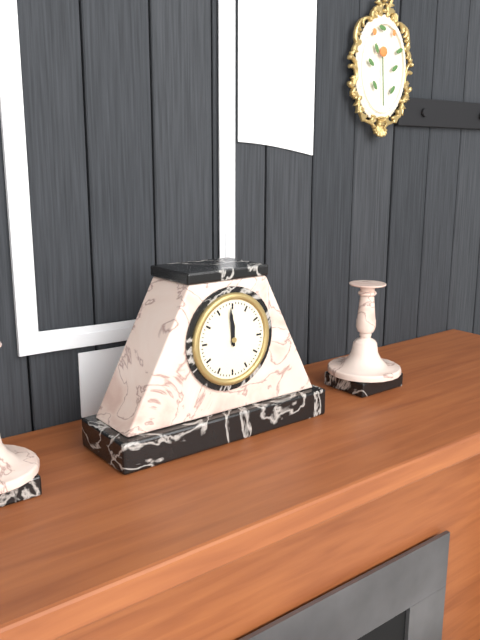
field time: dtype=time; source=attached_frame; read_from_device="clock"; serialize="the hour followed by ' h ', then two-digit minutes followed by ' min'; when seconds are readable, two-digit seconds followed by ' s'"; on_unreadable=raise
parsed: 11 h 59 min
